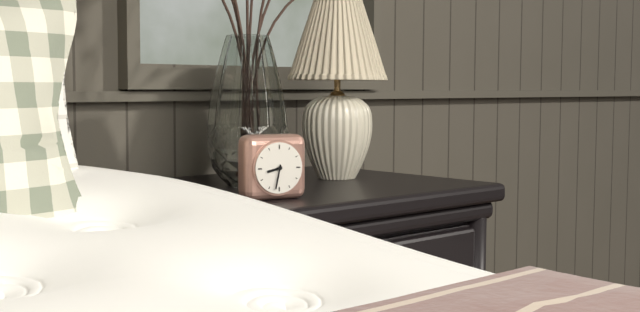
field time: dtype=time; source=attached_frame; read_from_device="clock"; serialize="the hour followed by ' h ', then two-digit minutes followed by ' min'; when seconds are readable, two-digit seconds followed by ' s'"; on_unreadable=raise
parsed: 8 h 32 min
